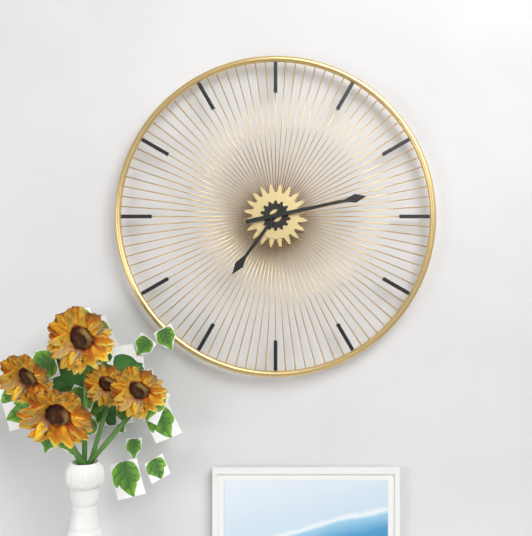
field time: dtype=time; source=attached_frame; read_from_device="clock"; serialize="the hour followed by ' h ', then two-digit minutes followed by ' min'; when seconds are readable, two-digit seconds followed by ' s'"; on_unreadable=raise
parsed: 7 h 13 min
